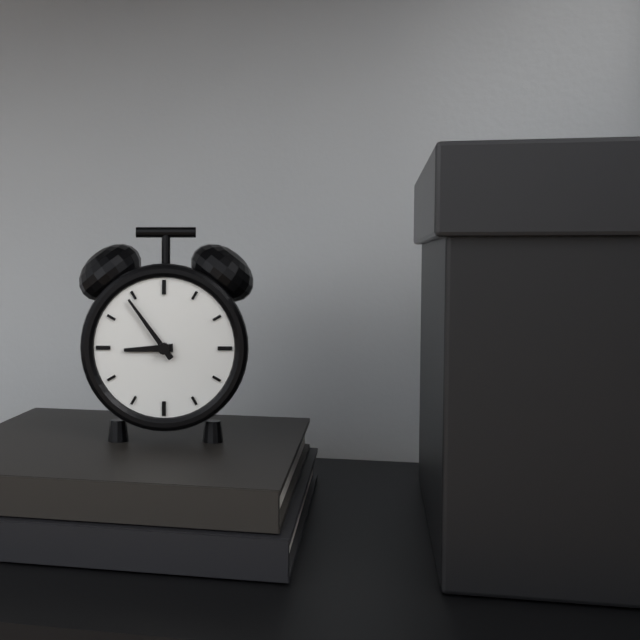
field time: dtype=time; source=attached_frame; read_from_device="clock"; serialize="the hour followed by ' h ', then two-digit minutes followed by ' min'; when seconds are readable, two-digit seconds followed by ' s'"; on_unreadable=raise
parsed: 8 h 54 min
